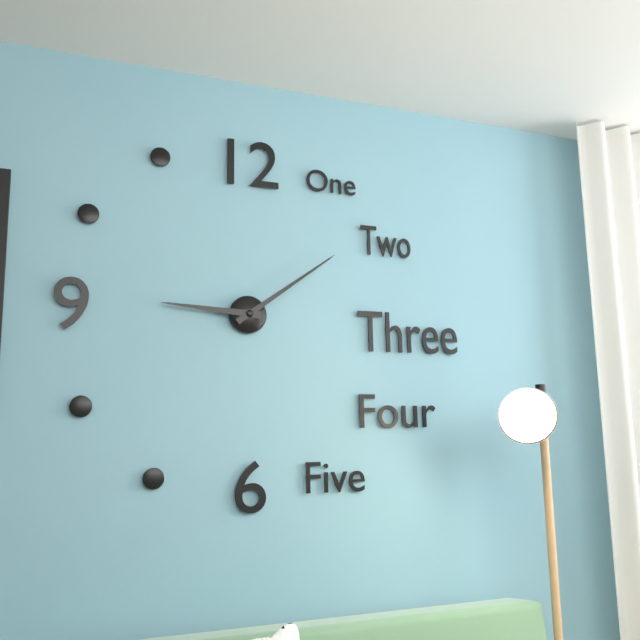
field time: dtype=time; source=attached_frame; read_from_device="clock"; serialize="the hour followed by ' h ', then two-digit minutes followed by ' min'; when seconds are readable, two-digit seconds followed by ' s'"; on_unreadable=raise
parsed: 9 h 09 min
